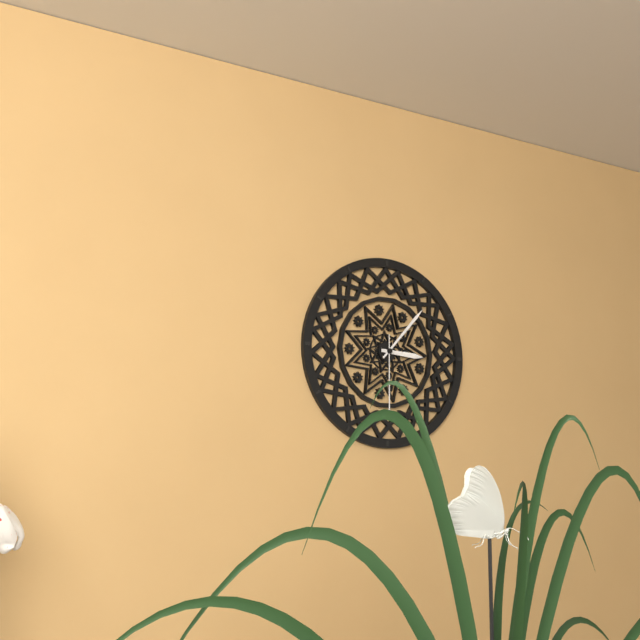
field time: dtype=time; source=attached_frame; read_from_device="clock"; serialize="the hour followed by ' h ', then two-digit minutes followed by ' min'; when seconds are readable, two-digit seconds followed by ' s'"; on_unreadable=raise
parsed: 3 h 07 min 30 s
